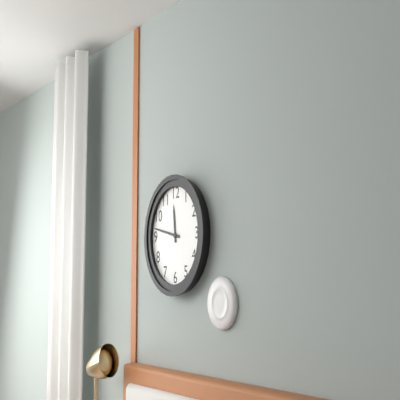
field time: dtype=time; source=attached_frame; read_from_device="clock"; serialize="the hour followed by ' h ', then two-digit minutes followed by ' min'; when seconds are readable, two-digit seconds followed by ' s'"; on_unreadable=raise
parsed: 11 h 47 min
